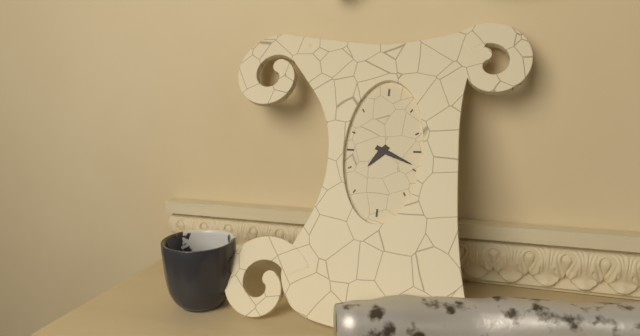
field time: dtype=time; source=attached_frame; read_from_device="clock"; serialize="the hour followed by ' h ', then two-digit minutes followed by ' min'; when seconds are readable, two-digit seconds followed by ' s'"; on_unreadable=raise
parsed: 7 h 19 min
